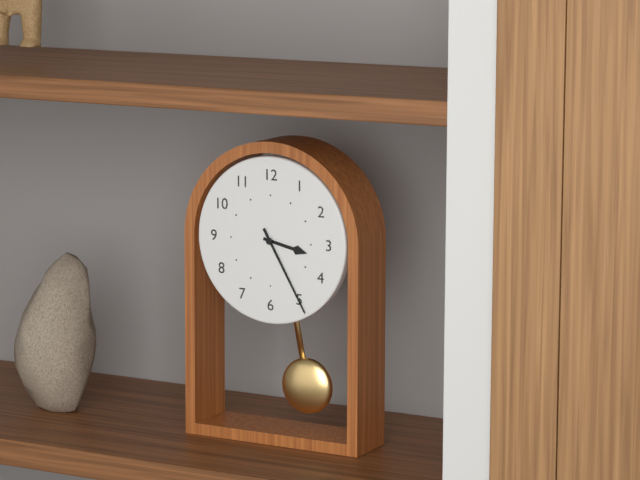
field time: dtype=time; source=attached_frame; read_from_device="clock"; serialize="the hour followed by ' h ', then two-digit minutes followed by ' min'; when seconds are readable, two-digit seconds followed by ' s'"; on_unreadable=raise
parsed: 3 h 25 min
